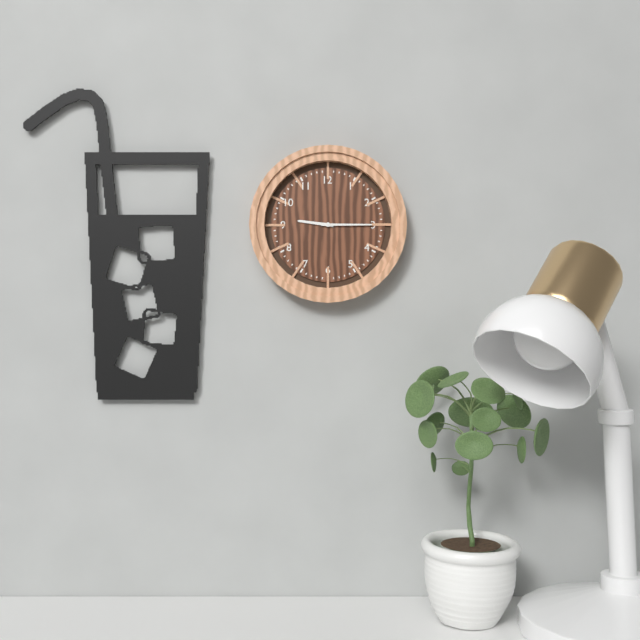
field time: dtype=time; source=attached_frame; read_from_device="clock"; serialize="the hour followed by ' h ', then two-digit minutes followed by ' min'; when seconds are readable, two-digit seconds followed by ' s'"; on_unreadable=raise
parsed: 9 h 15 min
